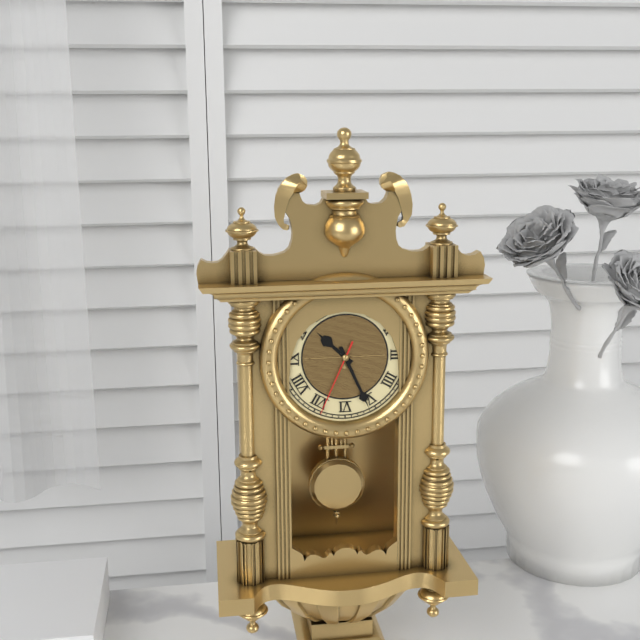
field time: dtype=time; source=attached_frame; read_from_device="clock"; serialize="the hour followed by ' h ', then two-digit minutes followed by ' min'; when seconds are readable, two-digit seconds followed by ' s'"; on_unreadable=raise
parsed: 10 h 26 min 34 s
